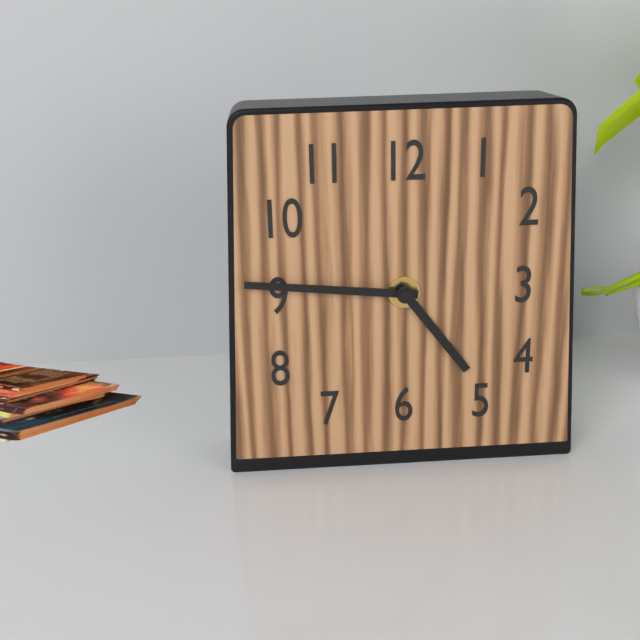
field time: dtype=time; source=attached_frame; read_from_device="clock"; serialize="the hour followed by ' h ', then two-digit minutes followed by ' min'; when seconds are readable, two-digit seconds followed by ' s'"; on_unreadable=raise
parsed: 4 h 46 min
